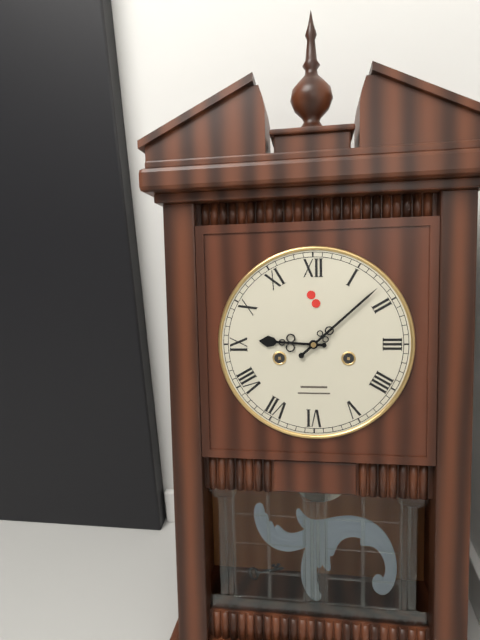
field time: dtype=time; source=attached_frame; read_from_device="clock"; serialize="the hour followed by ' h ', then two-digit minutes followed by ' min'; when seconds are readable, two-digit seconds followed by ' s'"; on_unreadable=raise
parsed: 9 h 08 min
